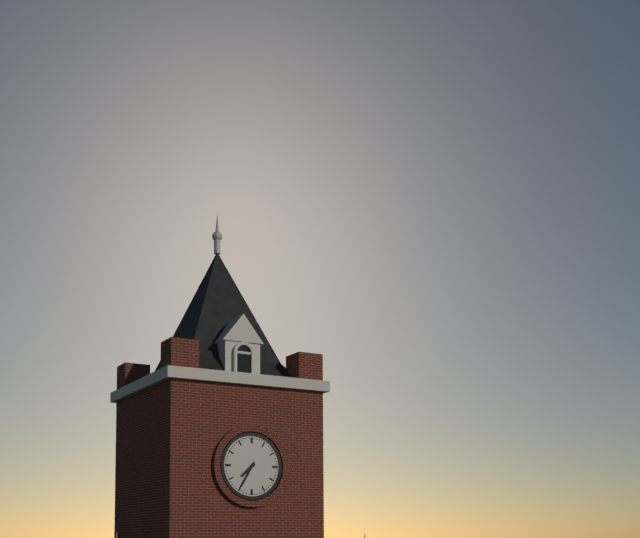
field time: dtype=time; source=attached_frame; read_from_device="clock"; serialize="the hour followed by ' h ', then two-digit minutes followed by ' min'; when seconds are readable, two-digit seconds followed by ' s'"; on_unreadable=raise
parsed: 7 h 35 min
